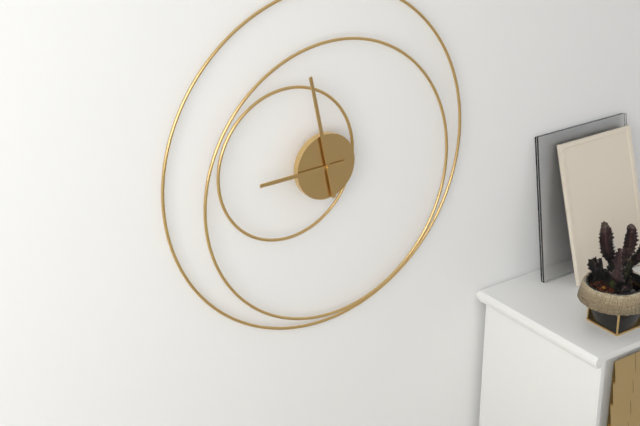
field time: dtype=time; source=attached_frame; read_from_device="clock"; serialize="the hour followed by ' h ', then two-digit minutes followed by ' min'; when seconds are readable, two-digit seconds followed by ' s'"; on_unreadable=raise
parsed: 8 h 58 min
